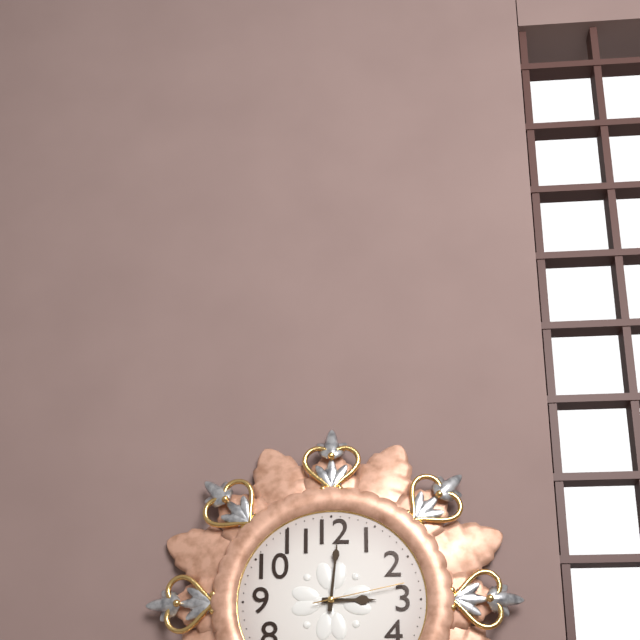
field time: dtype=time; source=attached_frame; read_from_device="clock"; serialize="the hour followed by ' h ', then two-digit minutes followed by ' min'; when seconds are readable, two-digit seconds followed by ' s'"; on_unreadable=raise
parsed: 3 h 01 min 13 s
